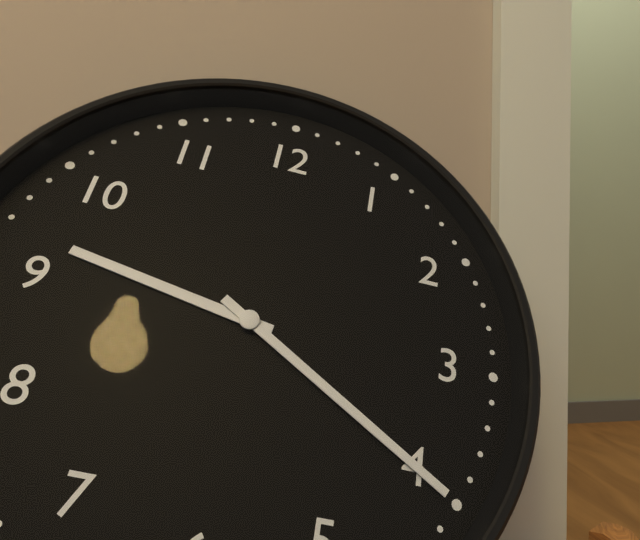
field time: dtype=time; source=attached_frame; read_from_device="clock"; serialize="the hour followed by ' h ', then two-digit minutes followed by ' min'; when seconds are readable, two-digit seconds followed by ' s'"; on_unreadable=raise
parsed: 9 h 20 min
